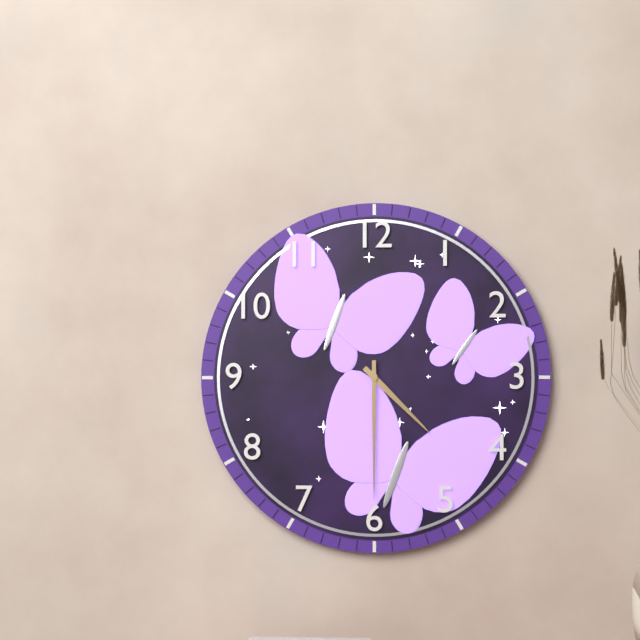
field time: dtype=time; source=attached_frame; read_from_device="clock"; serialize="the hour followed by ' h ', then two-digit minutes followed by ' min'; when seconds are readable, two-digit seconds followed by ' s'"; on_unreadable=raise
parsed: 4 h 30 min
